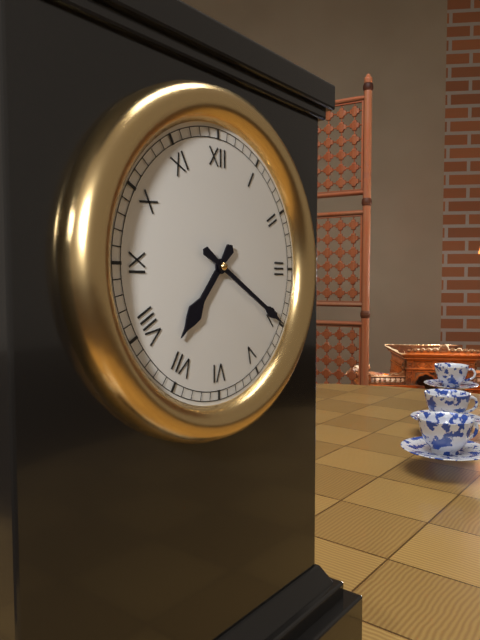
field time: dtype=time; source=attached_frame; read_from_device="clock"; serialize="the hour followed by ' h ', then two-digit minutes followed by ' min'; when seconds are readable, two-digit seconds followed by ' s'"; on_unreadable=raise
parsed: 7 h 20 min
